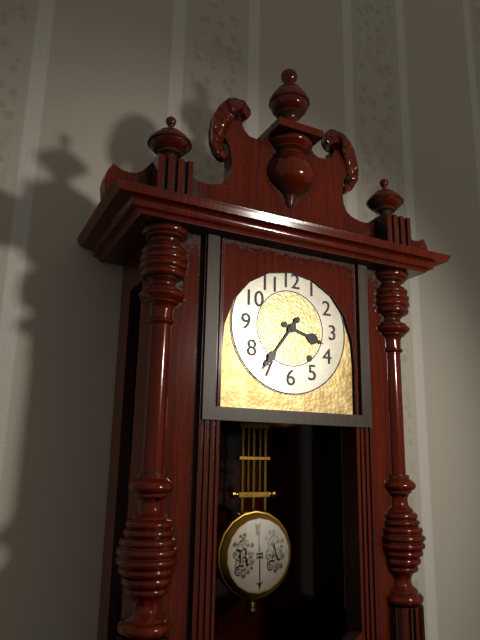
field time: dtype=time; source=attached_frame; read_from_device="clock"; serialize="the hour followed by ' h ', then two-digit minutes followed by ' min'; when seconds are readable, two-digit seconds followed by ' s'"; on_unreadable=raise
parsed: 3 h 36 min
